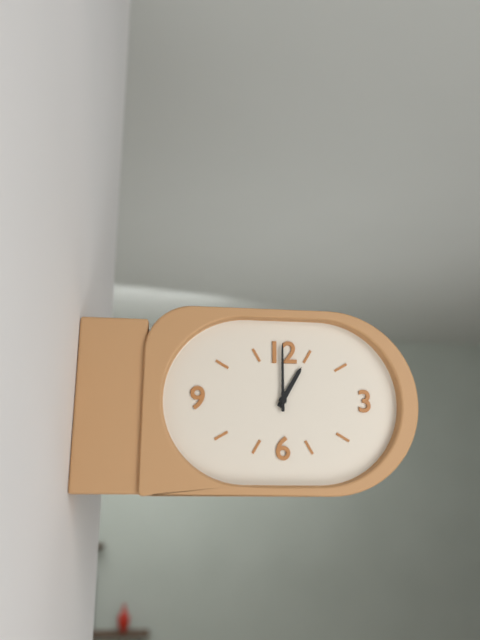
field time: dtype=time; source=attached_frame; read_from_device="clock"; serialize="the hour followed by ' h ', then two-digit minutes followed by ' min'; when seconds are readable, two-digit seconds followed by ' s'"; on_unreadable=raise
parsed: 1 h 00 min
